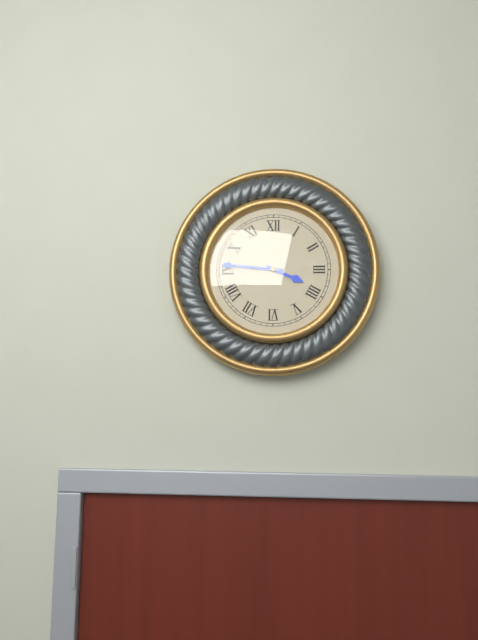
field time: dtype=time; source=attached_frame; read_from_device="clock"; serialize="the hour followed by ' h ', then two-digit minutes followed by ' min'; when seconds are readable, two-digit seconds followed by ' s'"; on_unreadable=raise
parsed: 3 h 46 min
